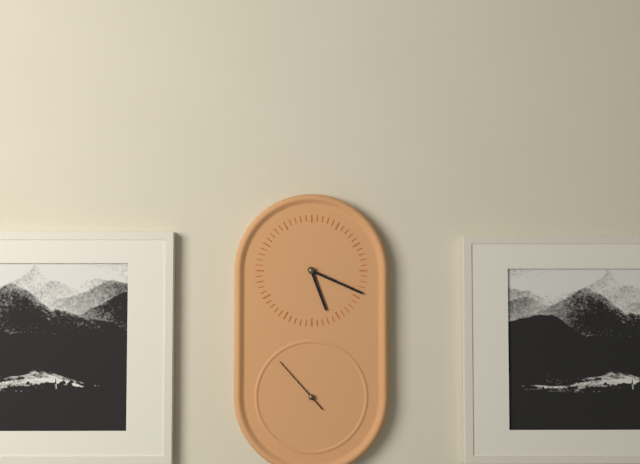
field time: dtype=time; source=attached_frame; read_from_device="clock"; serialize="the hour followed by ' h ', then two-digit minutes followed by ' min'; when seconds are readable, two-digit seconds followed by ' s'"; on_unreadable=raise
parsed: 5 h 19 min 53 s
